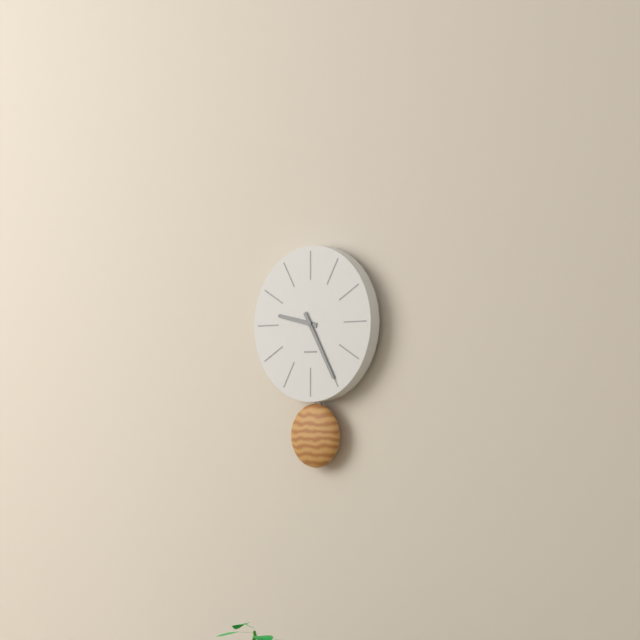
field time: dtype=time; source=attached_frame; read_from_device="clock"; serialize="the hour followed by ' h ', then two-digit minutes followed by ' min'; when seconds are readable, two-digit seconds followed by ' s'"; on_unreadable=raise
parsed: 9 h 25 min
